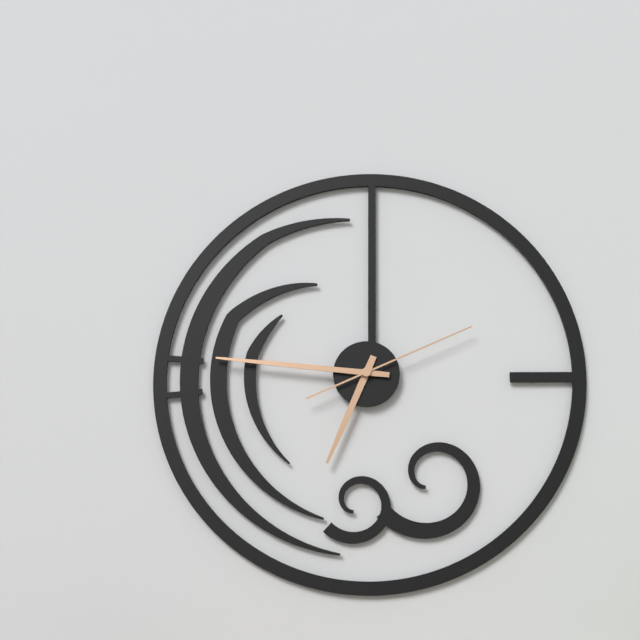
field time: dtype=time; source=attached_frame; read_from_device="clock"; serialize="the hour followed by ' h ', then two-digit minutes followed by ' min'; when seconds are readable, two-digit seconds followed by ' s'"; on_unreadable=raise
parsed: 6 h 46 min 11 s
